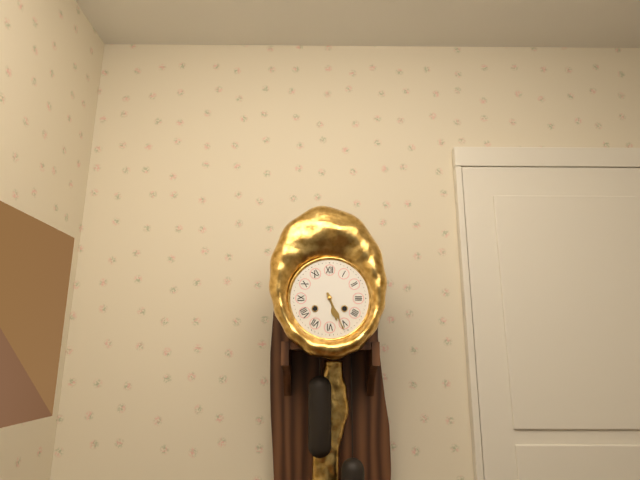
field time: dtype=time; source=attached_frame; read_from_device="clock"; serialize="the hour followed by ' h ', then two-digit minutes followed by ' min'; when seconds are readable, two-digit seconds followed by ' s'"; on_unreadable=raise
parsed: 5 h 26 min
